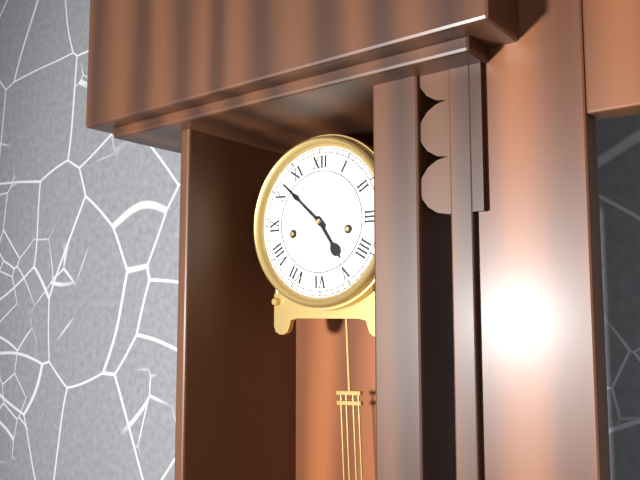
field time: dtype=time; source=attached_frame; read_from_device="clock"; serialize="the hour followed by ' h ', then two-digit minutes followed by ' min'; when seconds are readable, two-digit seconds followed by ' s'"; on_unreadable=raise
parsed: 4 h 52 min
